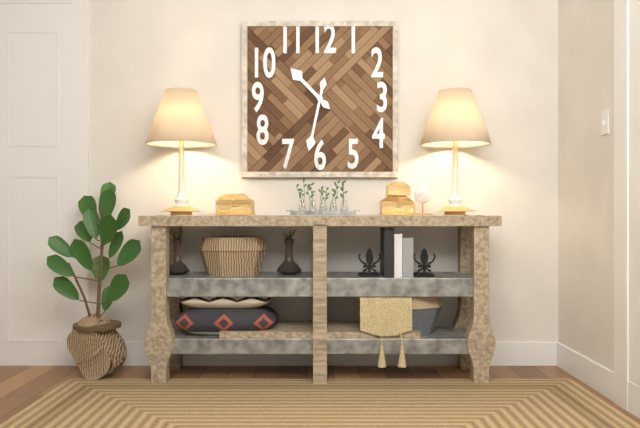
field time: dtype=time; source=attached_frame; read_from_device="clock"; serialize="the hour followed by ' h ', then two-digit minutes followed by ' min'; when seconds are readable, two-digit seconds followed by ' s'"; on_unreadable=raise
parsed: 10 h 32 min
